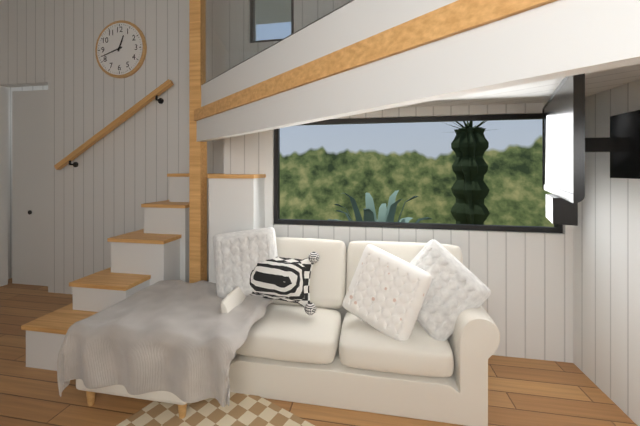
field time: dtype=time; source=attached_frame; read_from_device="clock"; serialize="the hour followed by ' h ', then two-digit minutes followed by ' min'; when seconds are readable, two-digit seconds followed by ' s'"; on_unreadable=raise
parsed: 12 h 42 min
